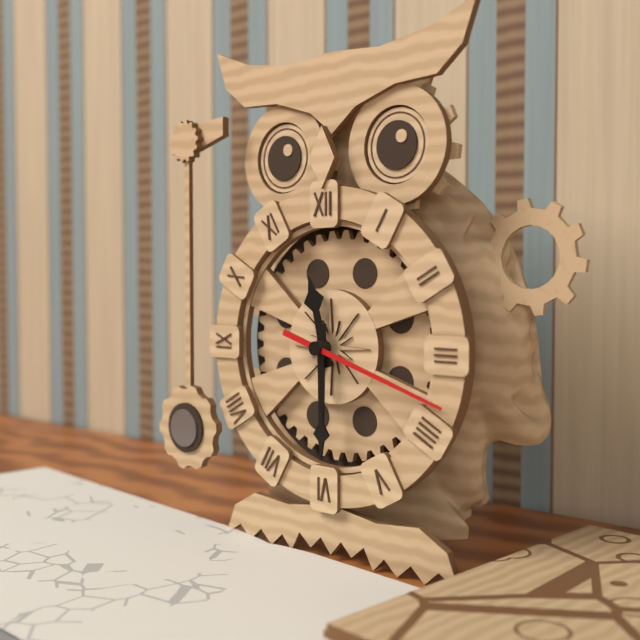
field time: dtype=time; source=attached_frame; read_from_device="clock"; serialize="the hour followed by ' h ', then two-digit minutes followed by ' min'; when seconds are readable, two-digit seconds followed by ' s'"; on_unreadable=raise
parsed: 11 h 30 min 18 s
